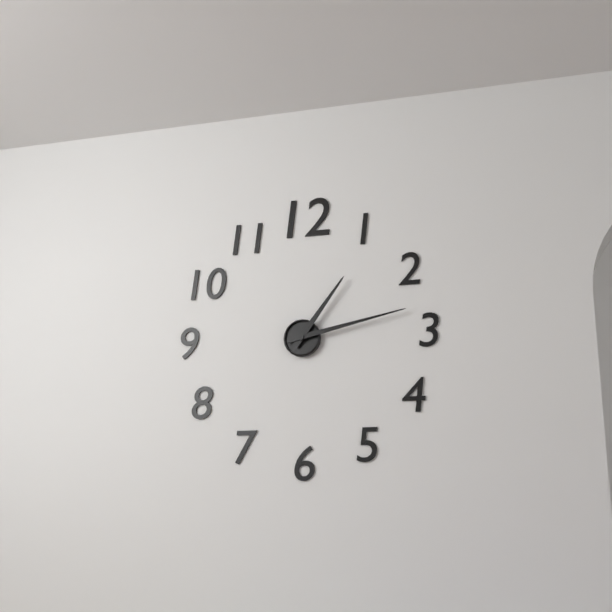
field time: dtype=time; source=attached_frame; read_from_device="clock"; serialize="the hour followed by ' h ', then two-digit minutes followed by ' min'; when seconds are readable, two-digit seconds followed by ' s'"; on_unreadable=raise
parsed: 1 h 13 min
